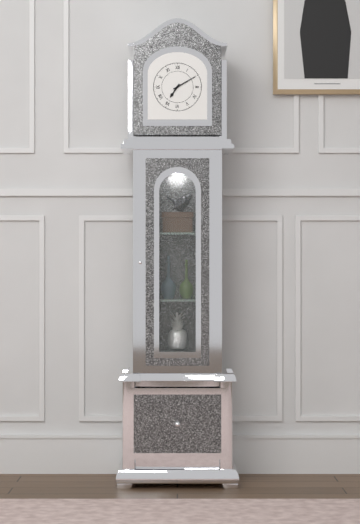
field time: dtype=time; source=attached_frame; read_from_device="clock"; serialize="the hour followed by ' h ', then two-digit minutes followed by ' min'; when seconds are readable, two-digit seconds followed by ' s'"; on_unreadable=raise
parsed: 7 h 10 min
